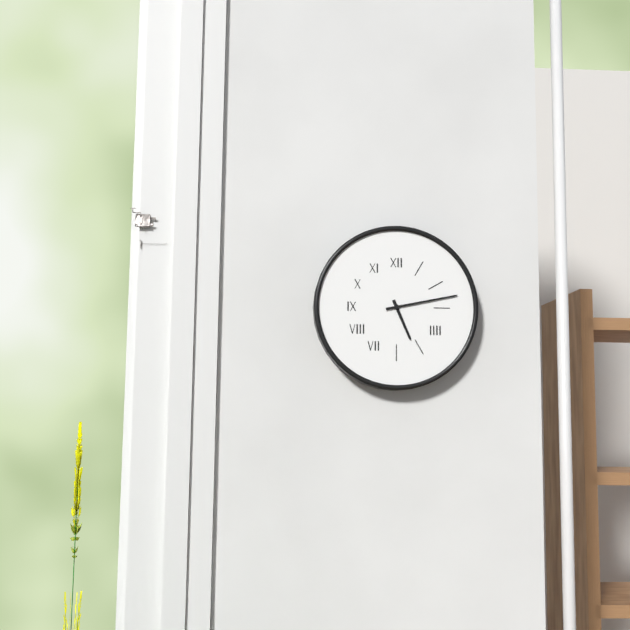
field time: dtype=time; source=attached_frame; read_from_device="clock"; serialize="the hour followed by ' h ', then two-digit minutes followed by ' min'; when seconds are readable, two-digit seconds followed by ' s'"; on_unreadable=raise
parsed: 5 h 13 min
